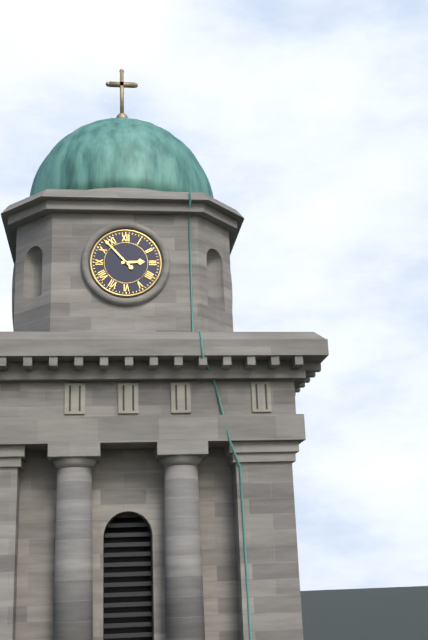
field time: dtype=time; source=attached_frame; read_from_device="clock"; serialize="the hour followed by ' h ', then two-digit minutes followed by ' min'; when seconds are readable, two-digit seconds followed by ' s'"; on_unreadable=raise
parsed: 2 h 53 min
